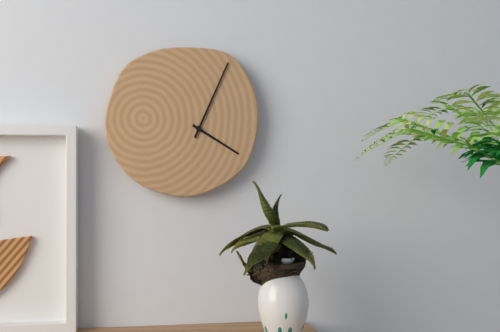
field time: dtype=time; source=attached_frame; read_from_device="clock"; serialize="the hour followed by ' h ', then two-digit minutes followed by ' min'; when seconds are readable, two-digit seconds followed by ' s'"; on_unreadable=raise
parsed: 4 h 04 min
